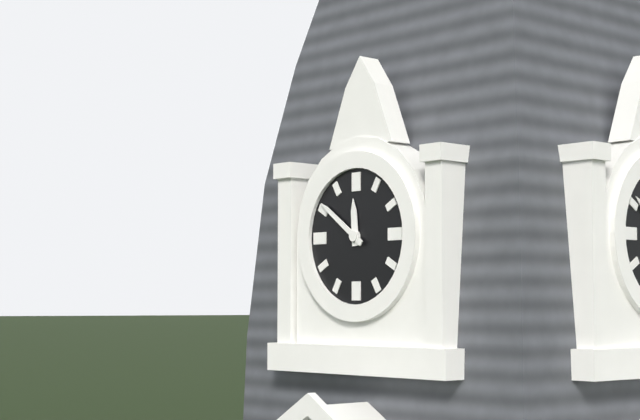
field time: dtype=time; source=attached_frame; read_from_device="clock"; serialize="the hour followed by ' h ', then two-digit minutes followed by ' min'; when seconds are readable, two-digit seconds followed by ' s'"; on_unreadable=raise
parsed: 11 h 51 min
